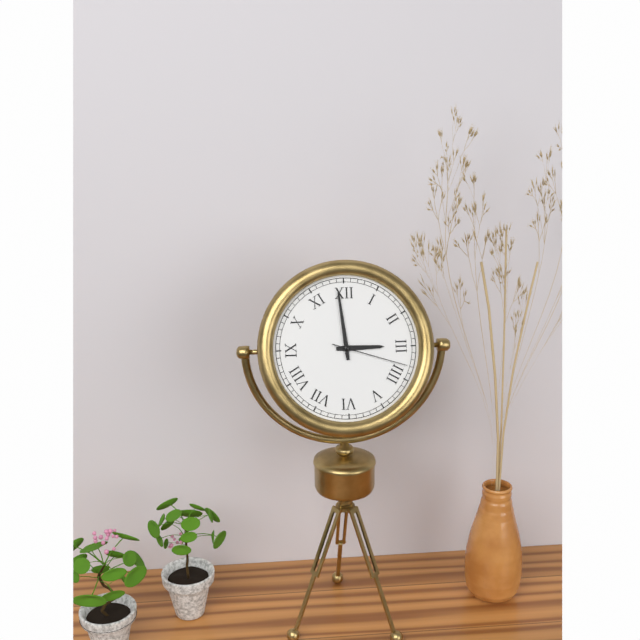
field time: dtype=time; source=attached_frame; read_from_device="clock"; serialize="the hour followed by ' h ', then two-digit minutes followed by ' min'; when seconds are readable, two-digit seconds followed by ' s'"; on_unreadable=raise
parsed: 2 h 59 min 18 s
